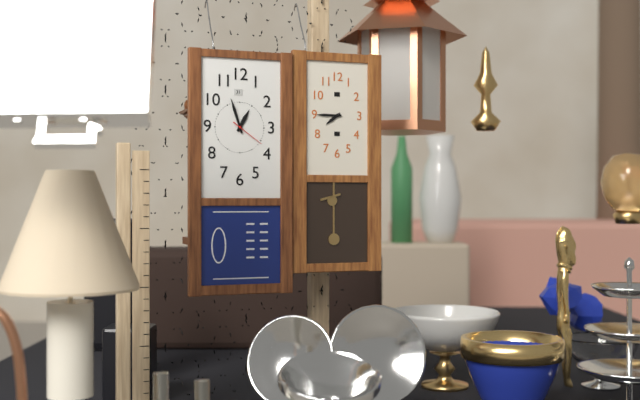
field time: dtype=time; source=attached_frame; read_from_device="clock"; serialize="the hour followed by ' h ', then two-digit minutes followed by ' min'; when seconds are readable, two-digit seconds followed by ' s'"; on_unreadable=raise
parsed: 12 h 57 min
